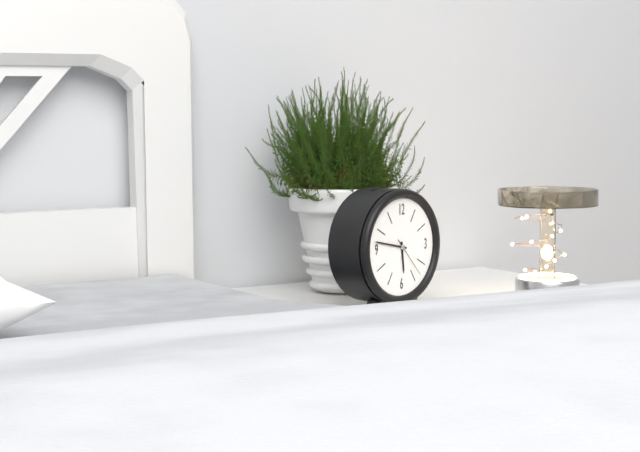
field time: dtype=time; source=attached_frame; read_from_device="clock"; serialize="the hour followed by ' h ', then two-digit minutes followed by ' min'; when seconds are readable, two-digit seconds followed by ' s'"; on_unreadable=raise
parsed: 5 h 47 min
